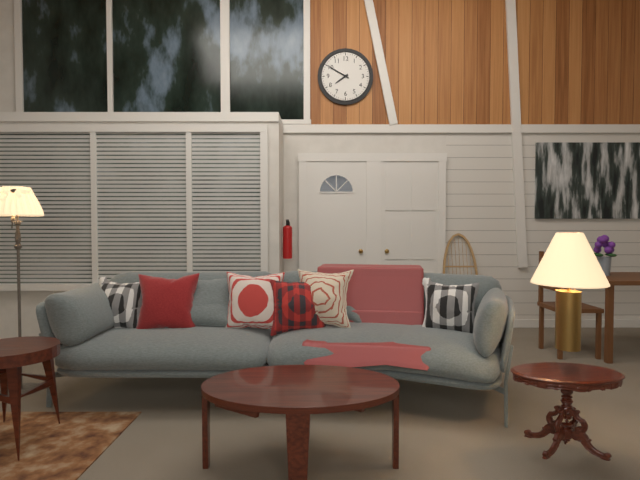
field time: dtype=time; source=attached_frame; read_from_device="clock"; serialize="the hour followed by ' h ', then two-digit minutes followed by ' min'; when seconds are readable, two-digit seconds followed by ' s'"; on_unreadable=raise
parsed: 7 h 50 min
